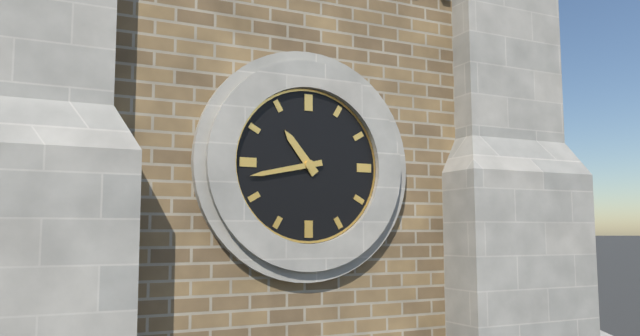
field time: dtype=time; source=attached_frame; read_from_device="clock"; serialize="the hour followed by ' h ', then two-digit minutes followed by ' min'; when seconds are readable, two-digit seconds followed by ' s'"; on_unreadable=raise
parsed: 10 h 43 min
